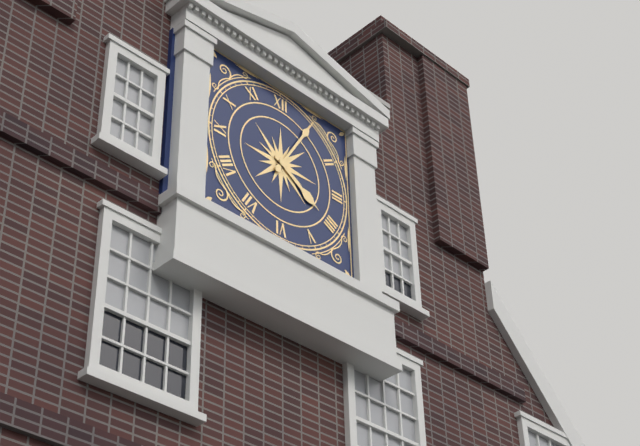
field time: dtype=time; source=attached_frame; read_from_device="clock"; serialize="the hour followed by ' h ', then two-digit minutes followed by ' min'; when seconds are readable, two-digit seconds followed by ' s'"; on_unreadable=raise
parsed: 4 h 05 min
